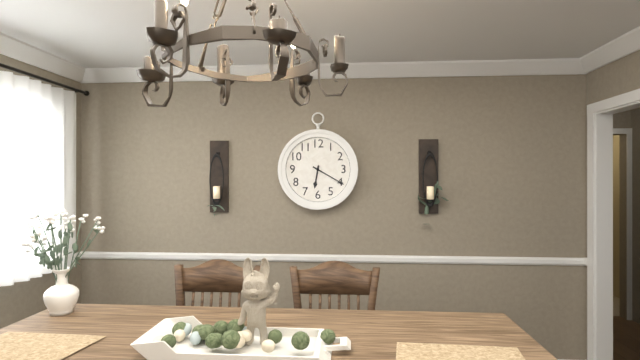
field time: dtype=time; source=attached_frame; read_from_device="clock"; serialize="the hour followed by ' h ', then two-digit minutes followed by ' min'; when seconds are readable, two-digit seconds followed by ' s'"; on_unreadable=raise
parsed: 6 h 20 min
